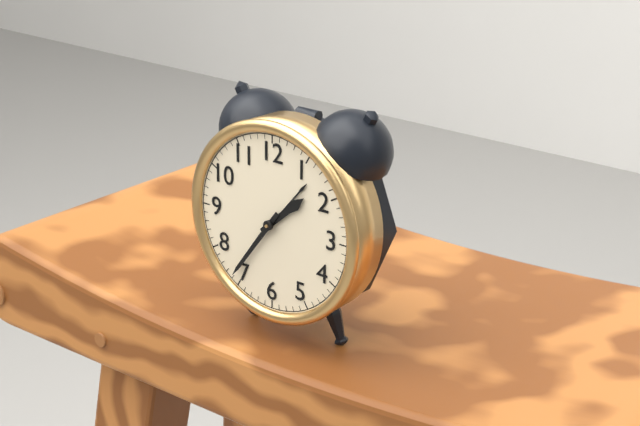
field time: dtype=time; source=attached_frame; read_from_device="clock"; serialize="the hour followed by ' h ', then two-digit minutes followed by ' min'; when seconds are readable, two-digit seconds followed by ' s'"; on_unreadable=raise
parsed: 1 h 36 min
